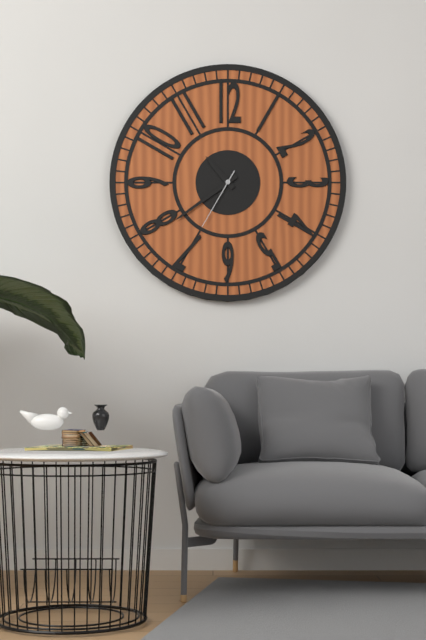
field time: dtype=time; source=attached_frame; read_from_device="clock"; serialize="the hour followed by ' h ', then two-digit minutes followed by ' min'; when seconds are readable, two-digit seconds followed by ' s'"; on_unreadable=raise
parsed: 10 h 39 min 35 s
